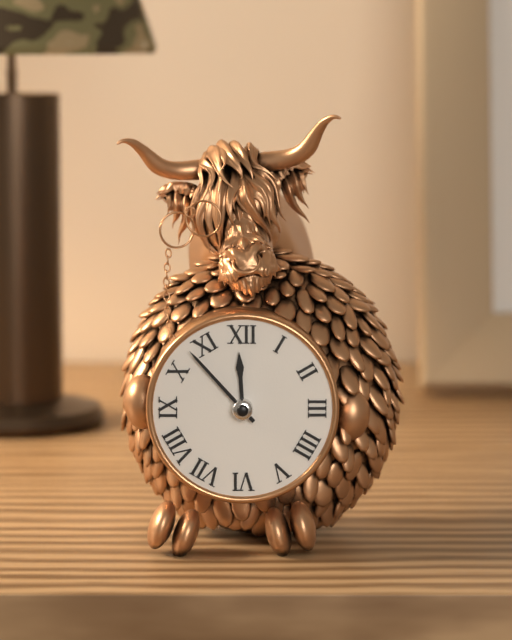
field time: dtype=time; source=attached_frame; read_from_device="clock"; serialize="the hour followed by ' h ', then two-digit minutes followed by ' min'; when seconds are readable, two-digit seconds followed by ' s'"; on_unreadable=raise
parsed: 11 h 53 min
